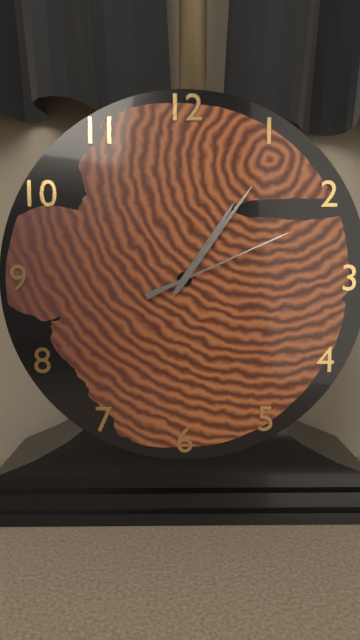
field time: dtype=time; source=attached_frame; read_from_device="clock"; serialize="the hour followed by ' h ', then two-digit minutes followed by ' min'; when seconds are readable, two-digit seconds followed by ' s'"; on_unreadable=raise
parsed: 1 h 06 min 11 s
